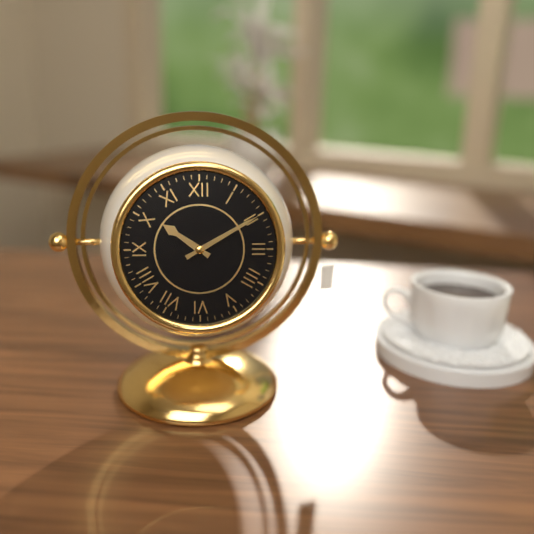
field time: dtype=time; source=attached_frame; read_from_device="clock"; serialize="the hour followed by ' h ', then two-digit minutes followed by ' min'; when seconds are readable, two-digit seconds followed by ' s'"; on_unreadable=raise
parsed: 10 h 10 min
